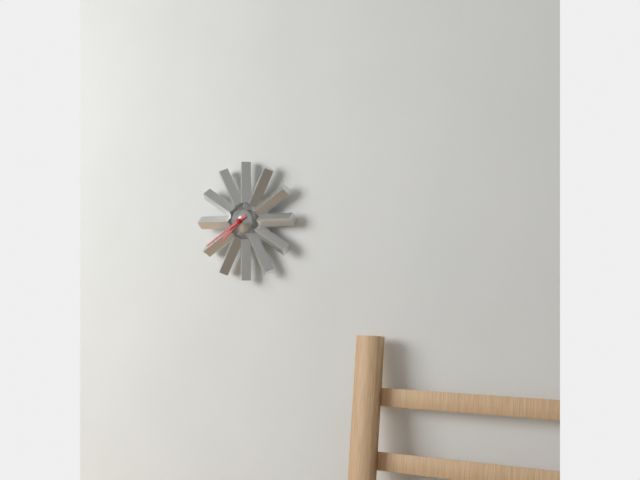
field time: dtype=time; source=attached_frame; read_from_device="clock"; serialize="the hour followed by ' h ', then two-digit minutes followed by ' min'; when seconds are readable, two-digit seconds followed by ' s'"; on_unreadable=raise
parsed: 7 h 40 min
